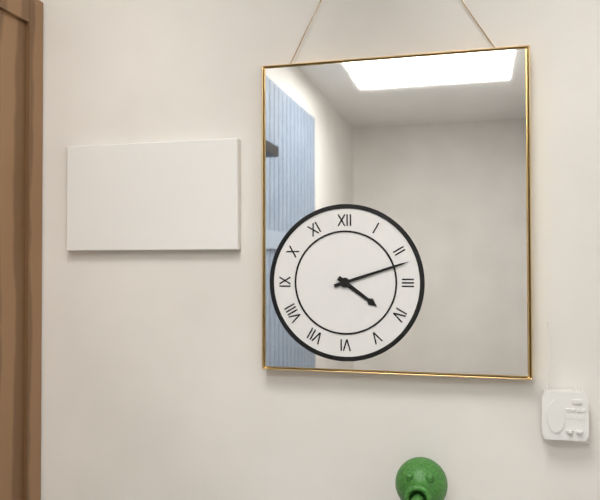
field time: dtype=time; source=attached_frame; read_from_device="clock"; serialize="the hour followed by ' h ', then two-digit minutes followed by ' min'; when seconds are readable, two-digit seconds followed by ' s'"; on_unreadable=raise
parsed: 4 h 12 min
